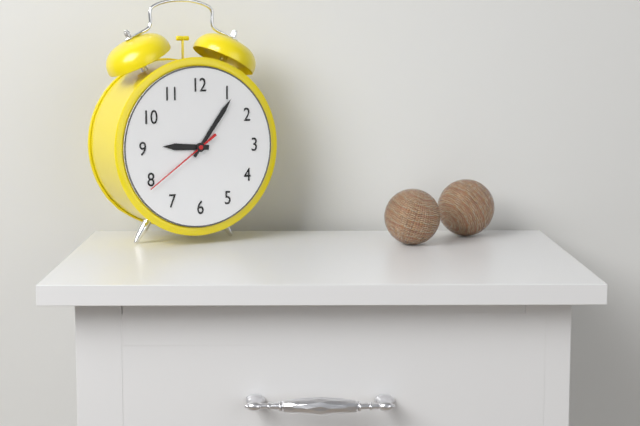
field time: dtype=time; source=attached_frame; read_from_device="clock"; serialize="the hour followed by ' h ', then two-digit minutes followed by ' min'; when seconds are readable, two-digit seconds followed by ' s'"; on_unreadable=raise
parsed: 9 h 06 min 39 s
